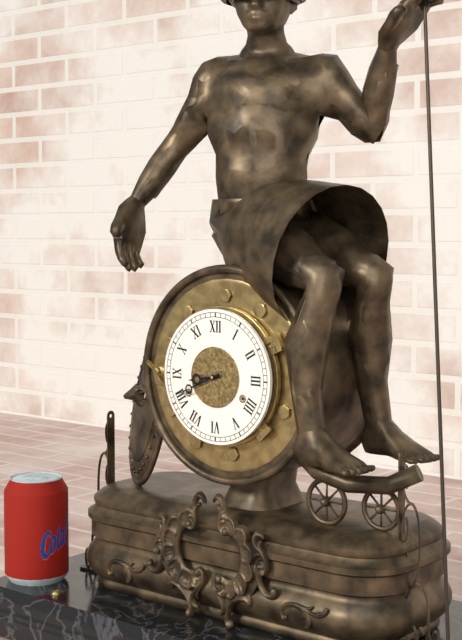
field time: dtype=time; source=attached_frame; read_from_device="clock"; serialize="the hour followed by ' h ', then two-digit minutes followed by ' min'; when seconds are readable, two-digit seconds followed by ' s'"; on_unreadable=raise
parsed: 8 h 41 min
